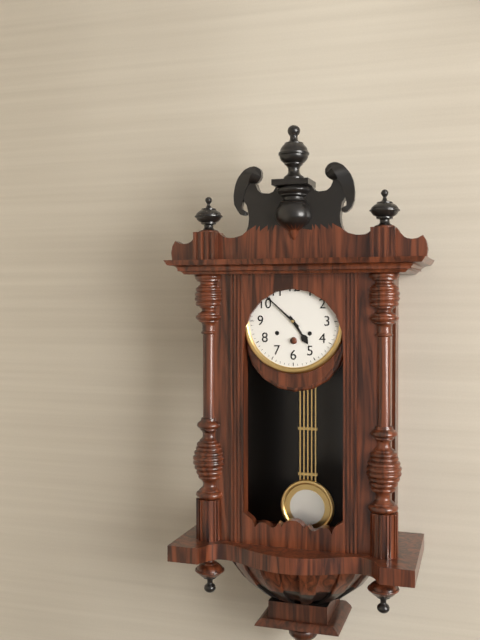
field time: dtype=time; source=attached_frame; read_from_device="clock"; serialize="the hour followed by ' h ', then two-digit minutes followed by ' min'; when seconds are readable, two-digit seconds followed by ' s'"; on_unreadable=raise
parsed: 4 h 52 min
